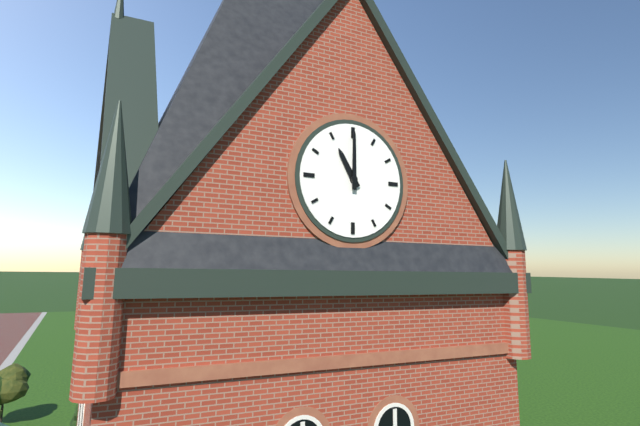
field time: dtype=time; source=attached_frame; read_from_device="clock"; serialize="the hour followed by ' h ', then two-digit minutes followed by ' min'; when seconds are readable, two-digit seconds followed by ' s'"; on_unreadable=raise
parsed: 11 h 00 min
